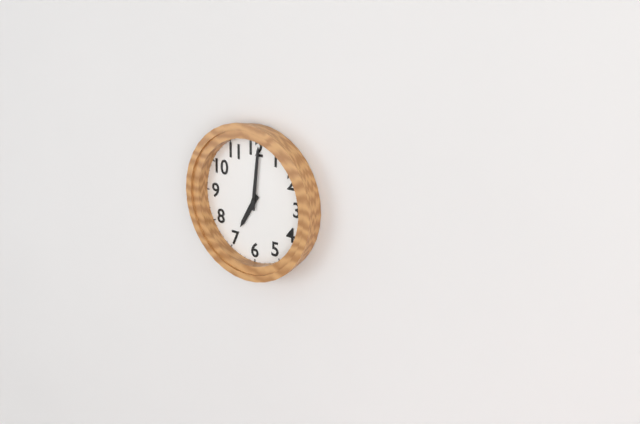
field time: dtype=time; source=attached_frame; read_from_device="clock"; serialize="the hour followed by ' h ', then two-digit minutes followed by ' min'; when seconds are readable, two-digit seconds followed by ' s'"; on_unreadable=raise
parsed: 7 h 01 min
